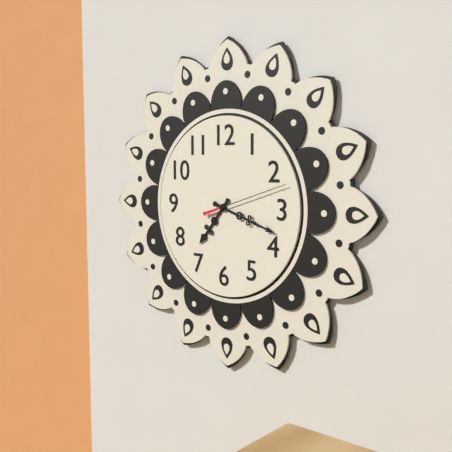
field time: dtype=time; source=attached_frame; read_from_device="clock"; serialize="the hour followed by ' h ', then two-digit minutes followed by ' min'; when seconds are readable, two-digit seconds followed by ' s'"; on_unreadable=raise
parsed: 7 h 18 min 12 s
